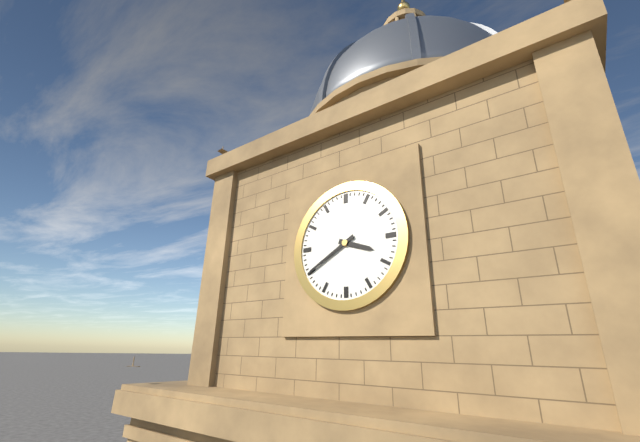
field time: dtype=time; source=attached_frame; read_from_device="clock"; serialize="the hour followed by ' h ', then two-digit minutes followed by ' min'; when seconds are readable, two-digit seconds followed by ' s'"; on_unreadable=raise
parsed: 3 h 40 min
